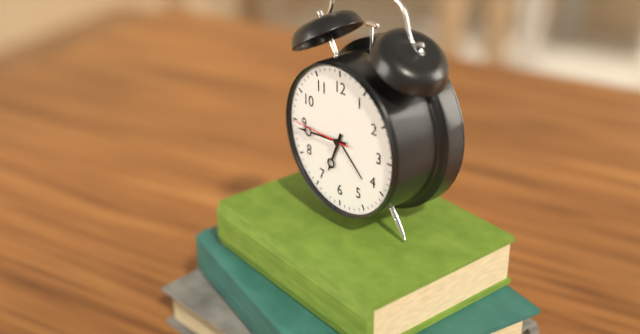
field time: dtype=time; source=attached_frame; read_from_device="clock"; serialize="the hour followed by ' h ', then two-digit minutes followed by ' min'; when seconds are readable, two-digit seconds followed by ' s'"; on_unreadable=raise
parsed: 6 h 44 min 45 s
